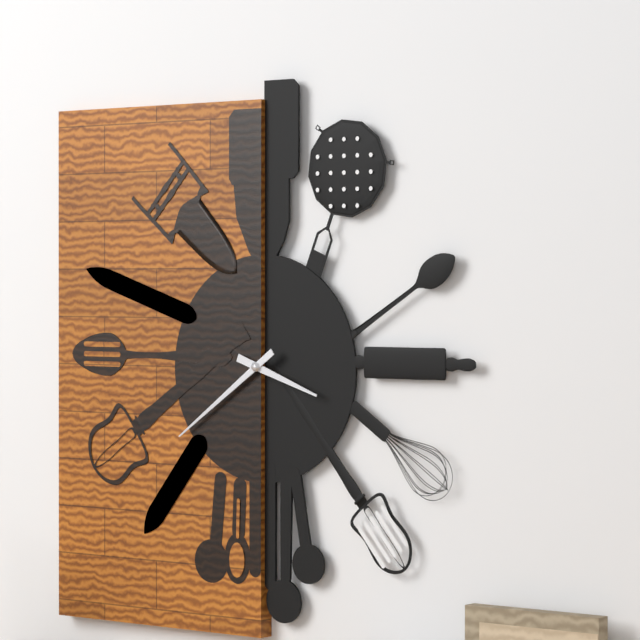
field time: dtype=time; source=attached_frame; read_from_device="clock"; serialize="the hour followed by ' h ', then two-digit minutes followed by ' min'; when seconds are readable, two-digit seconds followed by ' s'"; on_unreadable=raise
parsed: 3 h 39 min
